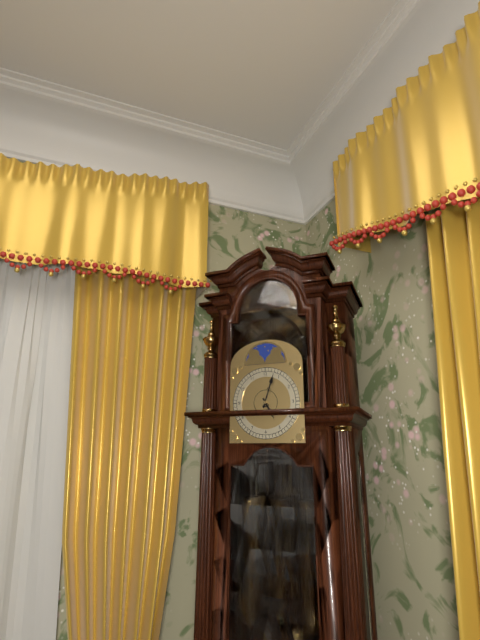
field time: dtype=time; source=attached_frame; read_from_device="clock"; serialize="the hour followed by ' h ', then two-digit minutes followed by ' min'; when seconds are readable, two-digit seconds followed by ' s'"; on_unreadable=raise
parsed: 5 h 03 min
